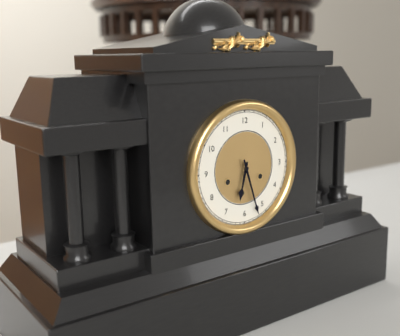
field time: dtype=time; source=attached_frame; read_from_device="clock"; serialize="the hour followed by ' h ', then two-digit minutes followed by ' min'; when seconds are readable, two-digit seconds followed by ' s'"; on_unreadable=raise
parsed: 6 h 27 min
